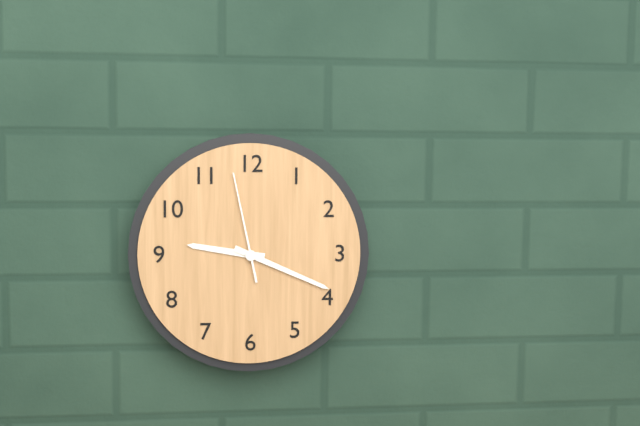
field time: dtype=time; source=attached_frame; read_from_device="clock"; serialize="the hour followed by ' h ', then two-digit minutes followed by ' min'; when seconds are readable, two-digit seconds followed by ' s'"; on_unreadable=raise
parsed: 9 h 19 min 58 s
